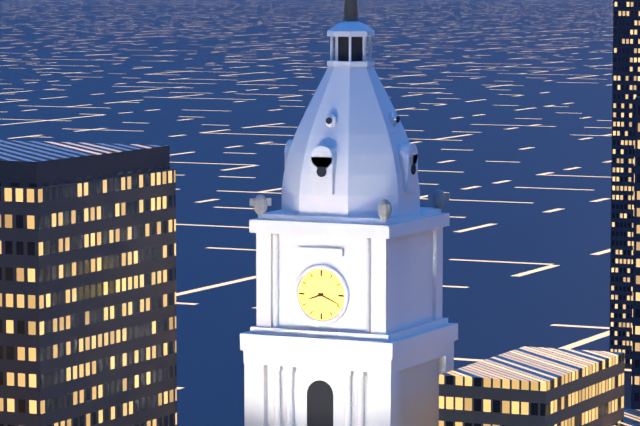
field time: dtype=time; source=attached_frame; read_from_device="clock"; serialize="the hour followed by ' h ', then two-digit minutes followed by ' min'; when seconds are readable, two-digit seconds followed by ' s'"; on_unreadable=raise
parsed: 8 h 19 min
